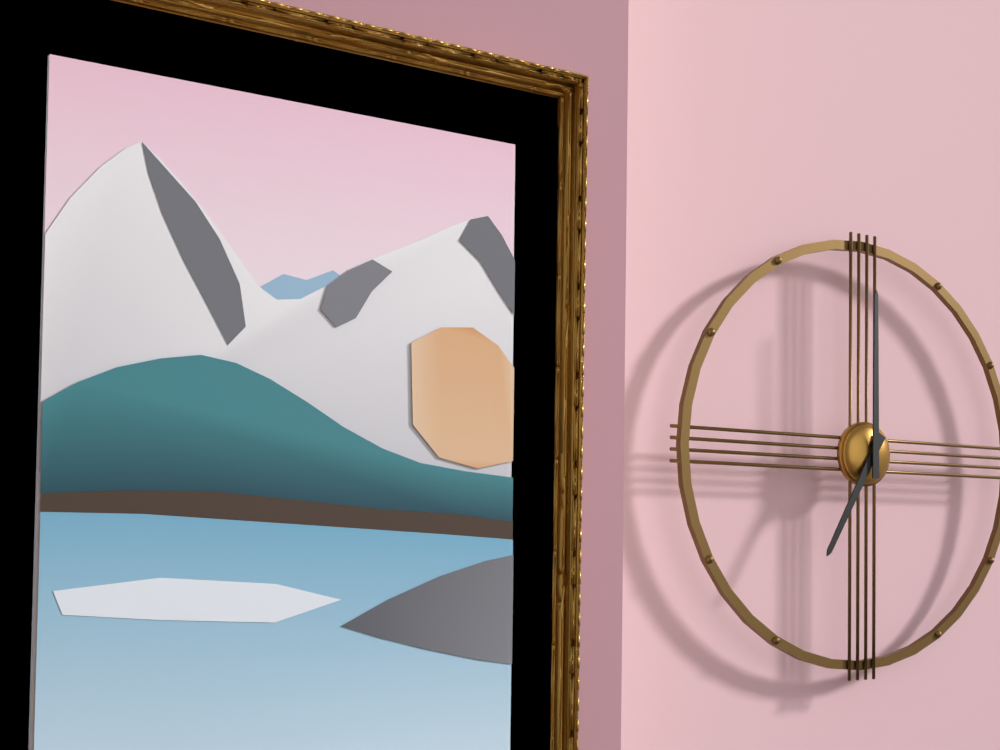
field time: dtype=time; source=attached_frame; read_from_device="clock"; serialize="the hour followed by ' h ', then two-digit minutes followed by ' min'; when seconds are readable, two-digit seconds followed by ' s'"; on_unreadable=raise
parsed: 7 h 00 min
